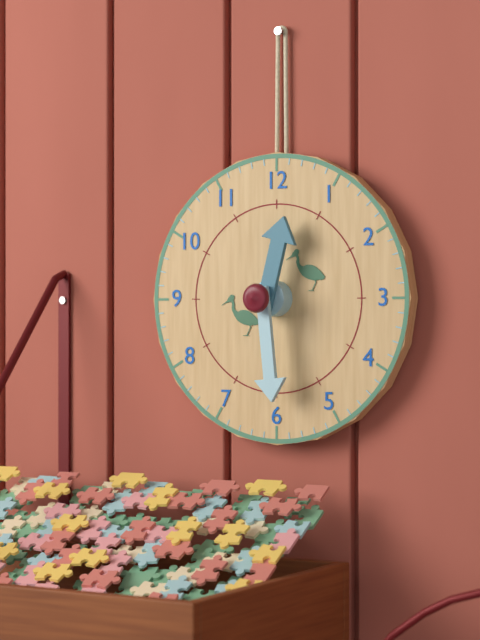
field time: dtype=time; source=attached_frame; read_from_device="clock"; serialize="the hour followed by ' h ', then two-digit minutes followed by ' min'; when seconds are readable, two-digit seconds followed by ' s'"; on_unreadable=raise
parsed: 12 h 29 min
